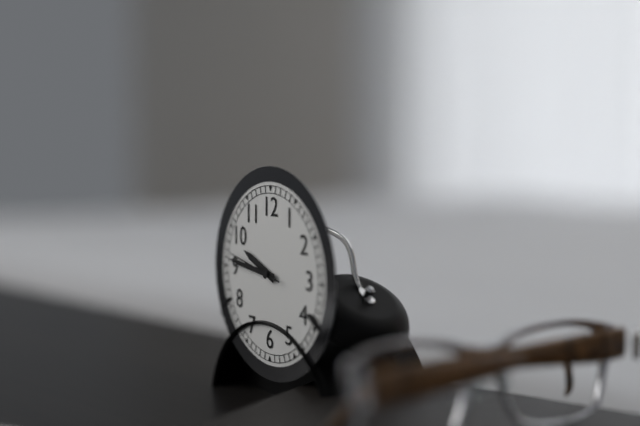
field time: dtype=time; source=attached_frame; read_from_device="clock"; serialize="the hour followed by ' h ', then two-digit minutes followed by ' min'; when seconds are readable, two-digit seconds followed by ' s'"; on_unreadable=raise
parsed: 9 h 46 min 47 s
